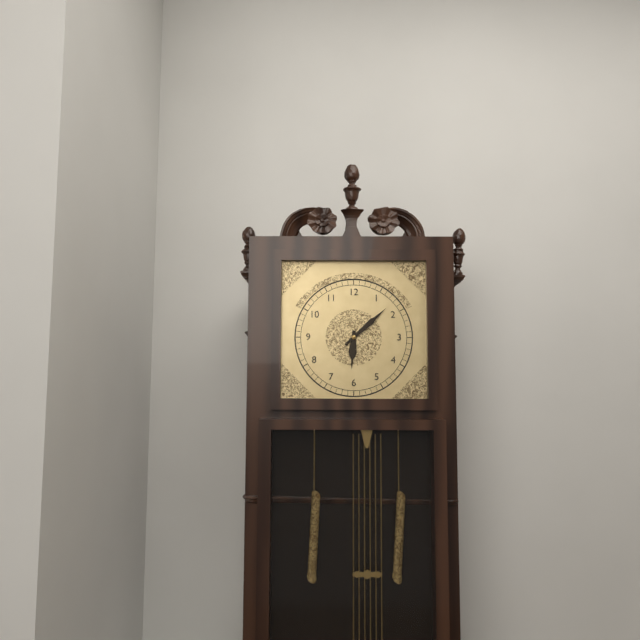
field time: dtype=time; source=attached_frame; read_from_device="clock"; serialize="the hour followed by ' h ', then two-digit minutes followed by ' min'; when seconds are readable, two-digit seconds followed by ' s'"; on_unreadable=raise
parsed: 6 h 08 min
